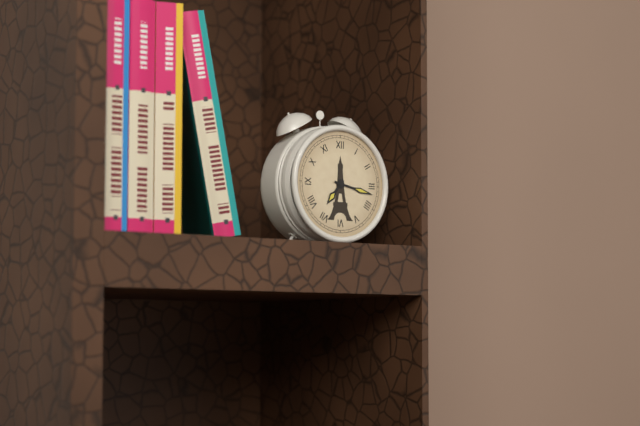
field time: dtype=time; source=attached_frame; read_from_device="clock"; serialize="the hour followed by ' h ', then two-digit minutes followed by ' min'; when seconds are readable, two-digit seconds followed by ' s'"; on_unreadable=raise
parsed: 7 h 17 min
